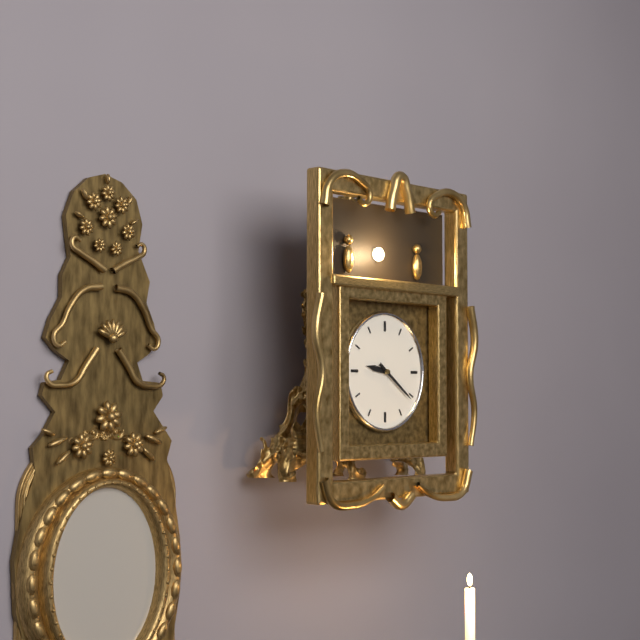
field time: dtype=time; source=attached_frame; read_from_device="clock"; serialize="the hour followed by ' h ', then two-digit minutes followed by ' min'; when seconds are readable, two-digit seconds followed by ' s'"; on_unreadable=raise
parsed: 9 h 21 min
